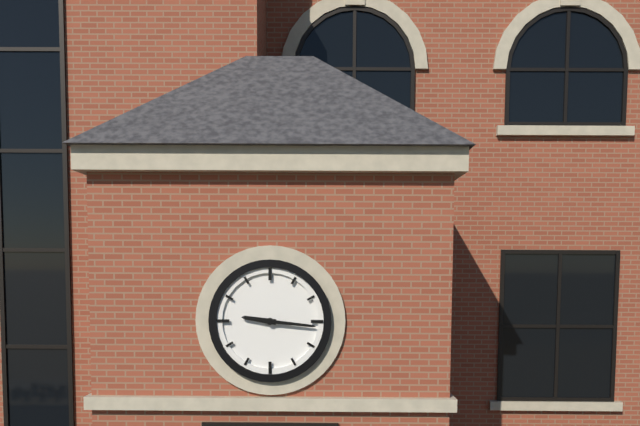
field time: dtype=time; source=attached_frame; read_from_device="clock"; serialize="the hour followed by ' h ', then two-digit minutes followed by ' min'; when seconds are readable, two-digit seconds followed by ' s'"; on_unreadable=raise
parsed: 9 h 16 min
